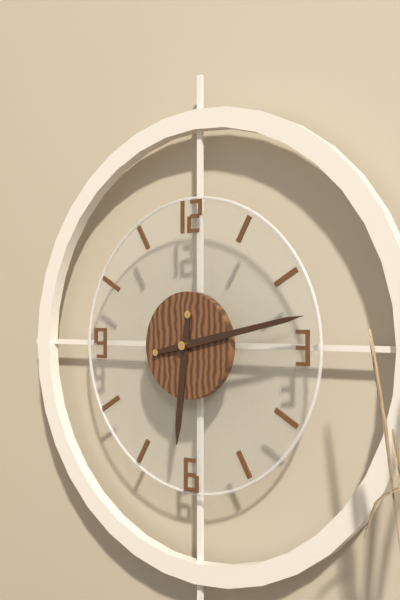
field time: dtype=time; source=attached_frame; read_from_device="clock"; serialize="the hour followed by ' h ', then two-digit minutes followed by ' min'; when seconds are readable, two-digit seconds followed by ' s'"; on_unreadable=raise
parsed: 6 h 13 min
